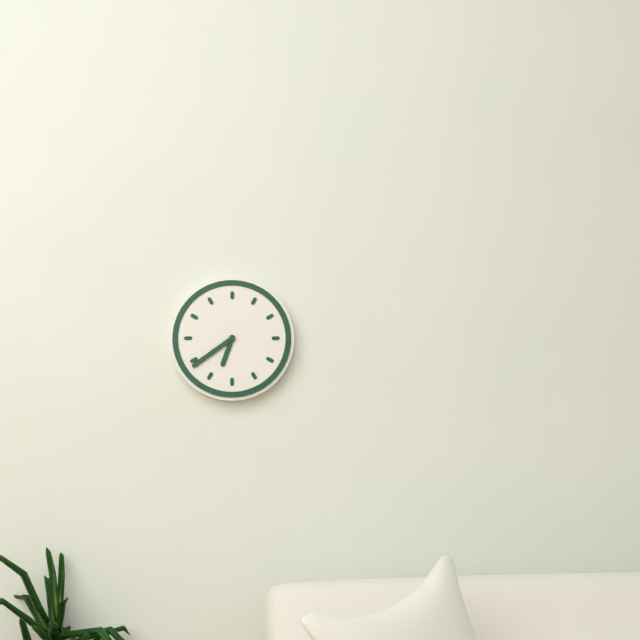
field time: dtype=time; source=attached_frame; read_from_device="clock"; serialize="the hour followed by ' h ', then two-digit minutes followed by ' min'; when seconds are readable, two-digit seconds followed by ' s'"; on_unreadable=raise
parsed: 6 h 39 min
